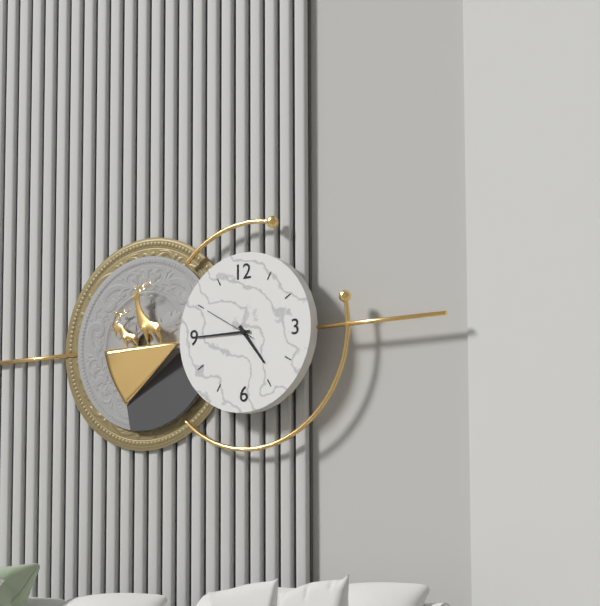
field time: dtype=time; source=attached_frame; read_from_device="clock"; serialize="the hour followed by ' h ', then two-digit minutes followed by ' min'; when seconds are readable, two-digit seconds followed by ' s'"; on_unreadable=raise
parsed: 4 h 45 min 50 s
